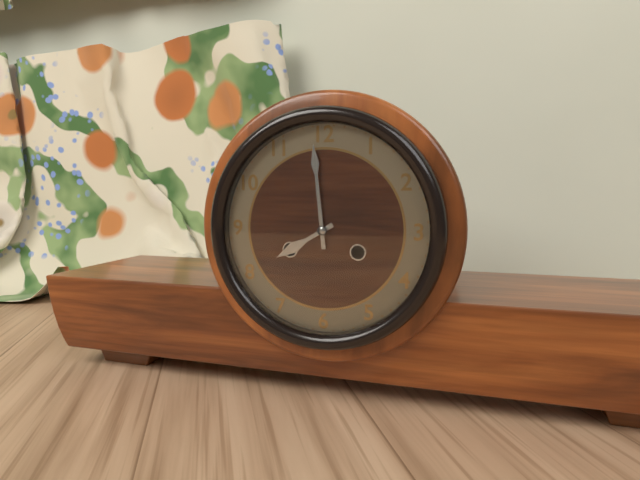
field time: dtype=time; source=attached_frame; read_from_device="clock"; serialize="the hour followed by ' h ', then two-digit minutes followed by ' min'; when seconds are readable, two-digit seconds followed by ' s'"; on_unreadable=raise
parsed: 7 h 59 min
